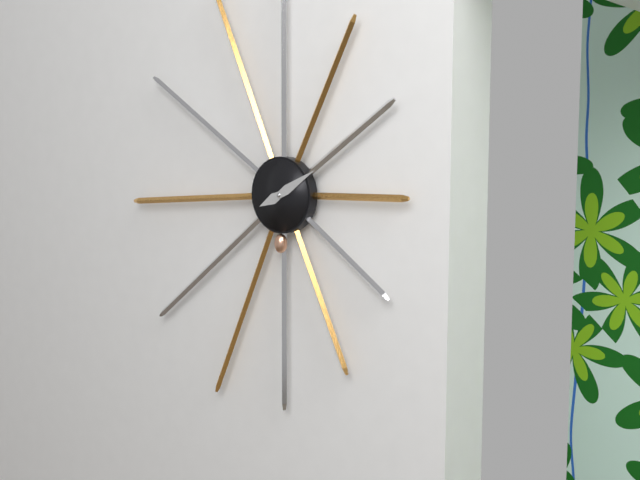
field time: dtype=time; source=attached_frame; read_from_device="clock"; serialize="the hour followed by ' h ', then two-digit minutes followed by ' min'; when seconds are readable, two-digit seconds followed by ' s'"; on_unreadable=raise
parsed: 8 h 10 min
